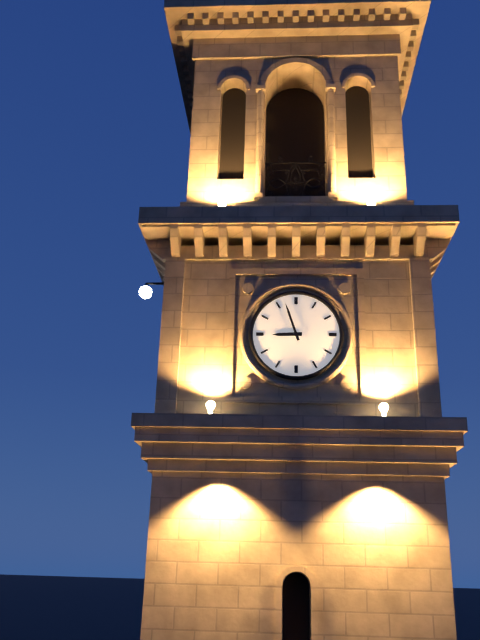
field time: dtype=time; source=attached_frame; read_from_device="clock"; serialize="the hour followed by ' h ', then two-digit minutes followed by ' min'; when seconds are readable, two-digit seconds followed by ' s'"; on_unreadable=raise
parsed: 8 h 57 min
